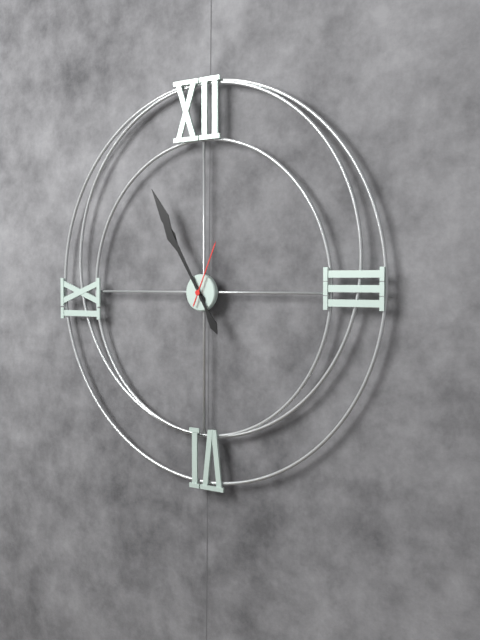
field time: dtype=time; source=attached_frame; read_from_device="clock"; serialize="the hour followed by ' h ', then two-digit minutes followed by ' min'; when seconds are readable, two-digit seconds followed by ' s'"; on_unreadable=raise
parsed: 10 h 55 min 04 s
